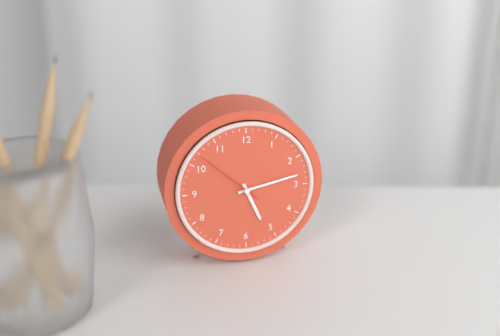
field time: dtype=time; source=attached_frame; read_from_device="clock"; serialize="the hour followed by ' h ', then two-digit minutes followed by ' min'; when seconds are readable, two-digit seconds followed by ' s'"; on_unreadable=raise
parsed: 5 h 13 min 52 s
